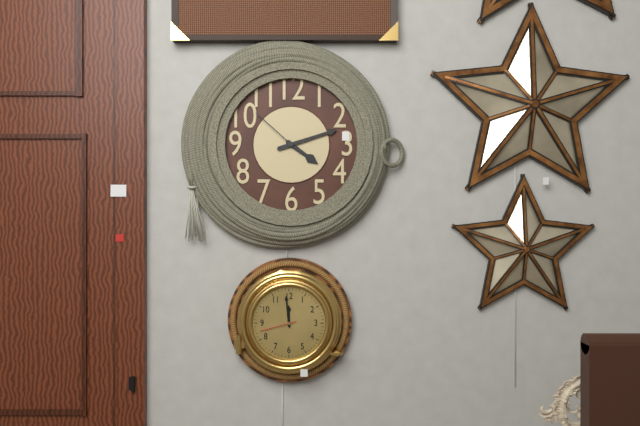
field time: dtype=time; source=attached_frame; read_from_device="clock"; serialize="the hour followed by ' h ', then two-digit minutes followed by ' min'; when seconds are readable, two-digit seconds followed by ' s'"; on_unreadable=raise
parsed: 4 h 12 min 52 s
